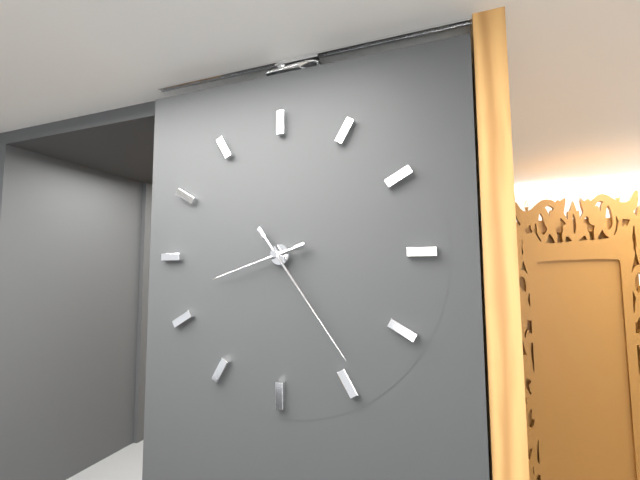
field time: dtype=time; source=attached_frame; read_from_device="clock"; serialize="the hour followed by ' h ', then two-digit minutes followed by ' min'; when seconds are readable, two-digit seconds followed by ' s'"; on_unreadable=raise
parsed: 8 h 24 min
